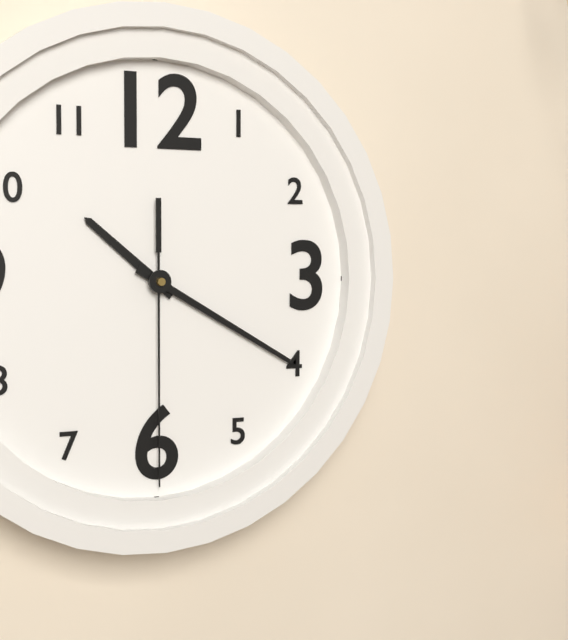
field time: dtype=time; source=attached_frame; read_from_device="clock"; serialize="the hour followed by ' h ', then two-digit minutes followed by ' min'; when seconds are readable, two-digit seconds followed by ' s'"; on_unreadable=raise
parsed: 10 h 20 min 30 s
